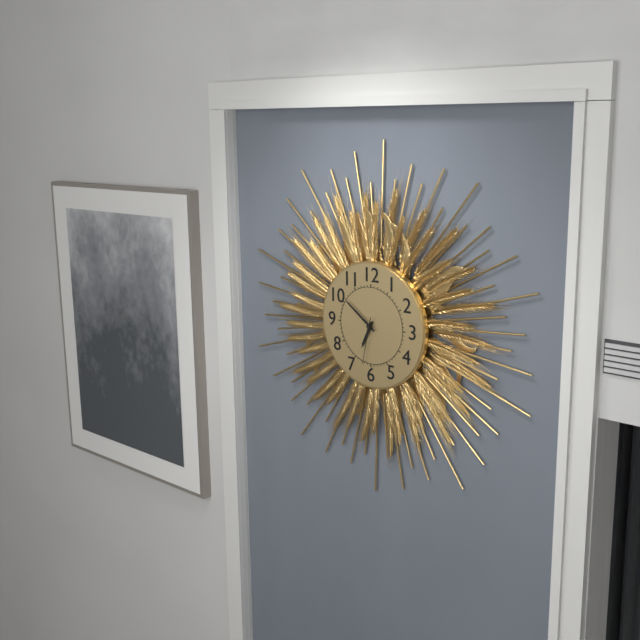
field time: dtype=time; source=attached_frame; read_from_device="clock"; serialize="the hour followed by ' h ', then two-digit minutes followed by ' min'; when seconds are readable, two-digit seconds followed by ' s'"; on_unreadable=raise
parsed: 6 h 51 min
